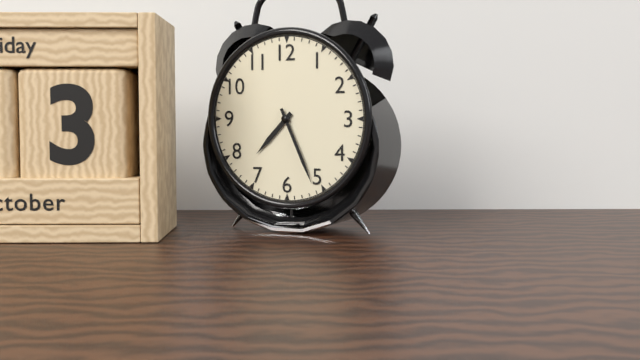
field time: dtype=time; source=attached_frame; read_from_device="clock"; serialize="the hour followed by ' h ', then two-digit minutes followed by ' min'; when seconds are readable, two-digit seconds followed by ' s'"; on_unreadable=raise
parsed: 7 h 26 min
